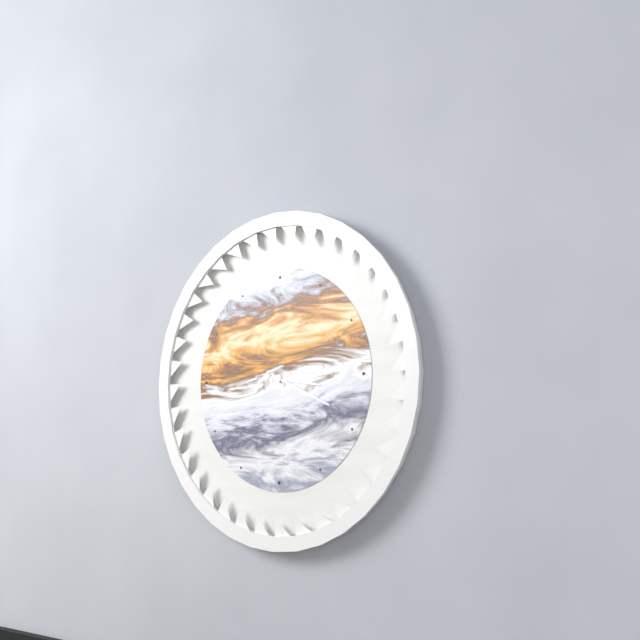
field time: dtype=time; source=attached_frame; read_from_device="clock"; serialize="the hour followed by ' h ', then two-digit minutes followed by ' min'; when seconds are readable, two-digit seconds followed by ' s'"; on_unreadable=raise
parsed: 3 h 19 min
